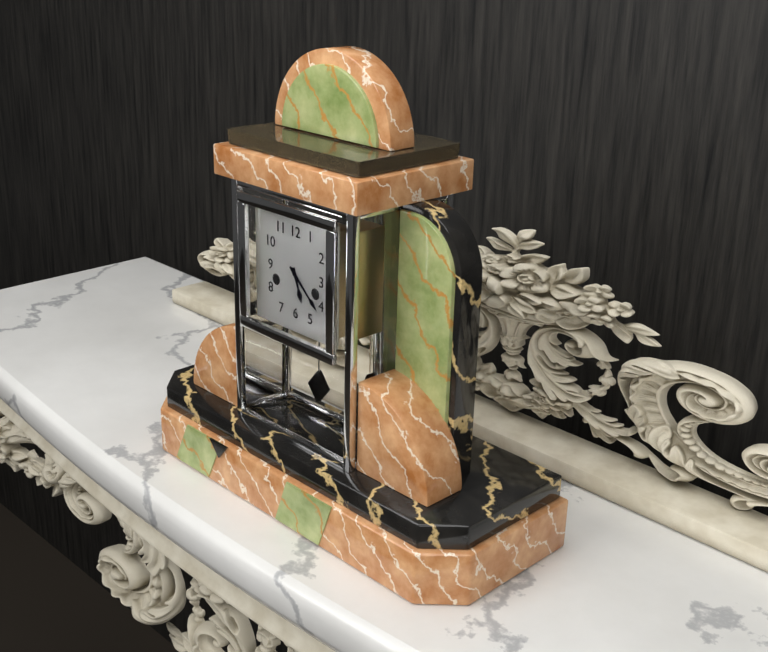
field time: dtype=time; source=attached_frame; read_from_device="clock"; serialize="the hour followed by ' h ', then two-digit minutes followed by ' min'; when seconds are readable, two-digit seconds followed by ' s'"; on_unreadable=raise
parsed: 5 h 22 min
